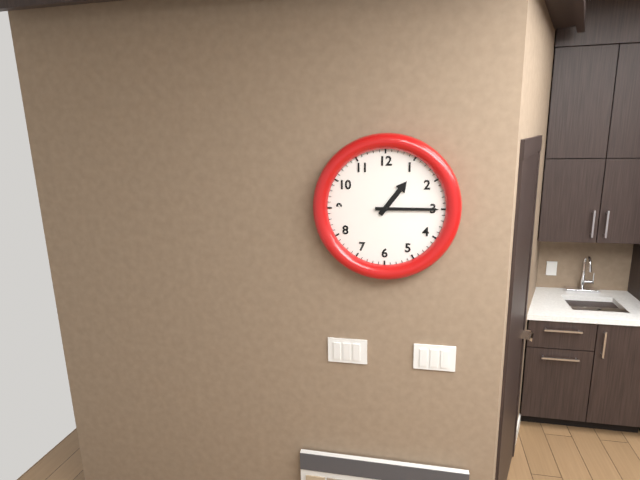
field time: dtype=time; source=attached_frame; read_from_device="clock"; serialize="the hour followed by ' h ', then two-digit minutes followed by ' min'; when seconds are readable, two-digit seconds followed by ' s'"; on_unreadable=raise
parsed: 1 h 15 min
